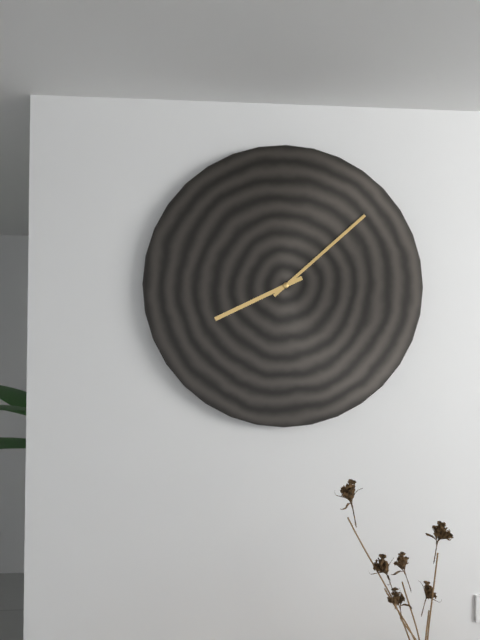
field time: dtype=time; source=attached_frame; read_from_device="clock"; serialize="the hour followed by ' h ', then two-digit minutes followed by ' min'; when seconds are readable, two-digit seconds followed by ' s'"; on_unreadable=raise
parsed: 8 h 08 min
